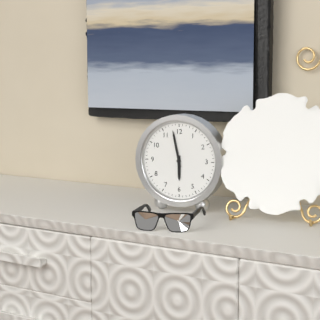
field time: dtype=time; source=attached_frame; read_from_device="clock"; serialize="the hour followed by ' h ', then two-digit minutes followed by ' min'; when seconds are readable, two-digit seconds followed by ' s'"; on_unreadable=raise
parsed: 5 h 58 min
